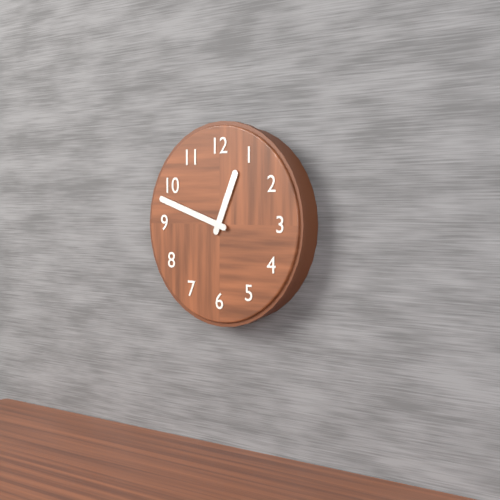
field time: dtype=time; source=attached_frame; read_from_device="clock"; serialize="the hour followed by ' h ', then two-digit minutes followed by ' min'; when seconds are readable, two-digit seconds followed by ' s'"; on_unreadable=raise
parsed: 12 h 48 min
